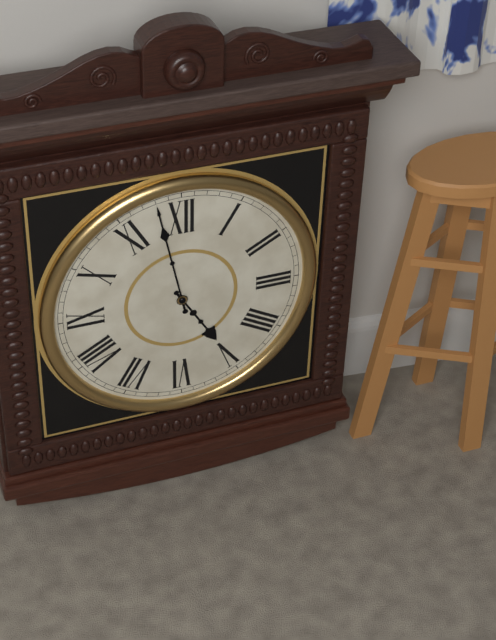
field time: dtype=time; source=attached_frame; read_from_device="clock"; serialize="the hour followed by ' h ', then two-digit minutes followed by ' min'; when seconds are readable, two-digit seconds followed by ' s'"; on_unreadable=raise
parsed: 4 h 58 min
